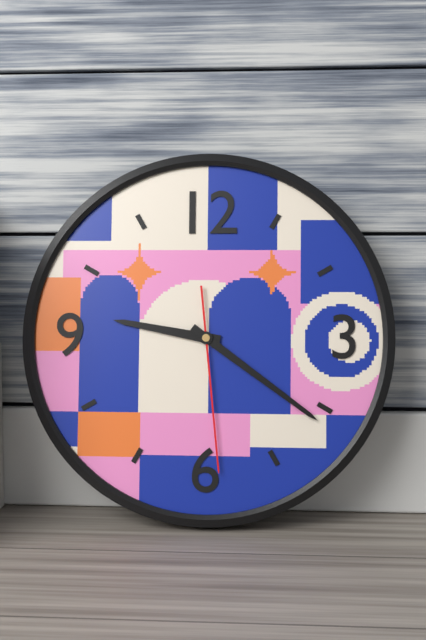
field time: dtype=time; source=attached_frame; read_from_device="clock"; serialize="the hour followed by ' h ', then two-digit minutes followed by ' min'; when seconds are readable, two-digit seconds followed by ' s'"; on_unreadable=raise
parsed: 9 h 21 min 29 s
